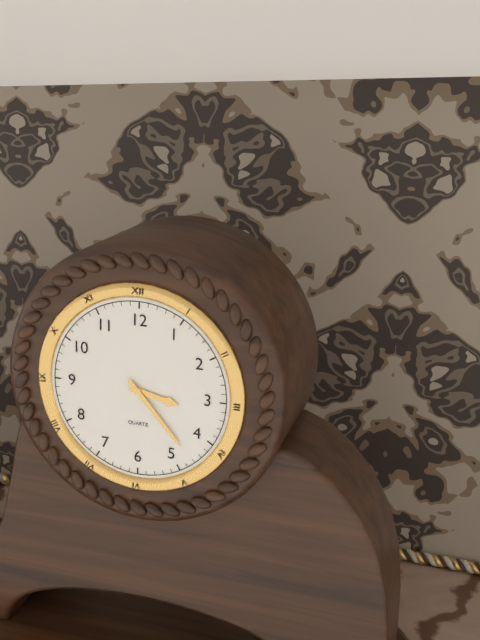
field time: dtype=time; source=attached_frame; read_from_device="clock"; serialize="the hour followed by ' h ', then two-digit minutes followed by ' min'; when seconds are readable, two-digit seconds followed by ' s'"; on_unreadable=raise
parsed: 3 h 23 min
